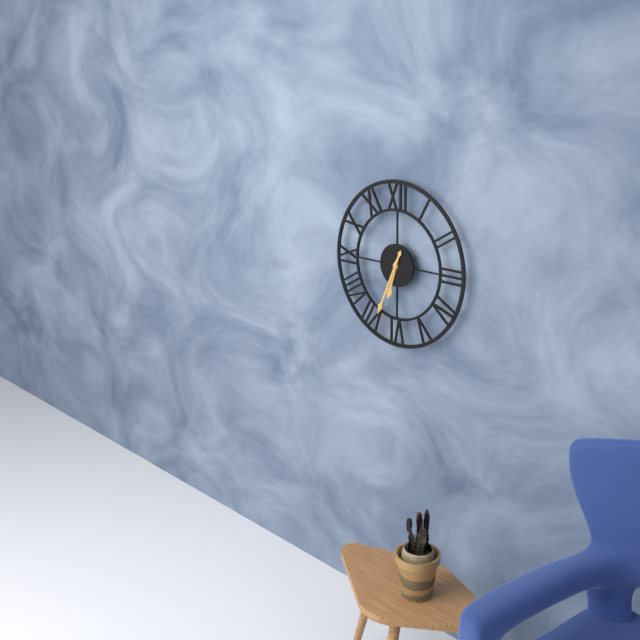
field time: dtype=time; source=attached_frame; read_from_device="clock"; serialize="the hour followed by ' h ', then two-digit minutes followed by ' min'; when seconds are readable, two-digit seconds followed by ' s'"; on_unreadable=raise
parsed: 6 h 34 min
